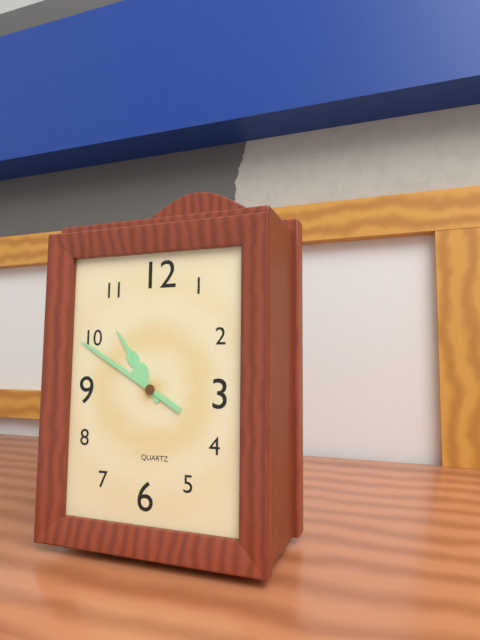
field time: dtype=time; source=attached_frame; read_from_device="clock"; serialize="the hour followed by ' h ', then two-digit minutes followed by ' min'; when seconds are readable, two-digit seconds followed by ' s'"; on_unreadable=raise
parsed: 10 h 50 min
